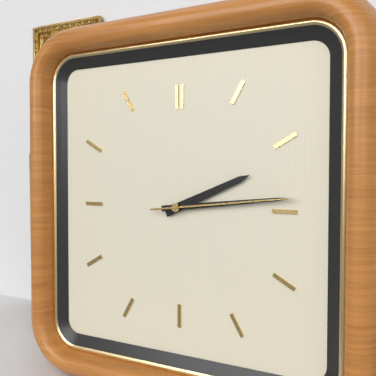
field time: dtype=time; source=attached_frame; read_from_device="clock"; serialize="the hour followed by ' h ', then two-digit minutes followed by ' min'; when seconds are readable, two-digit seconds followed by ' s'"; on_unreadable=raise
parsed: 2 h 14 min 14 s
